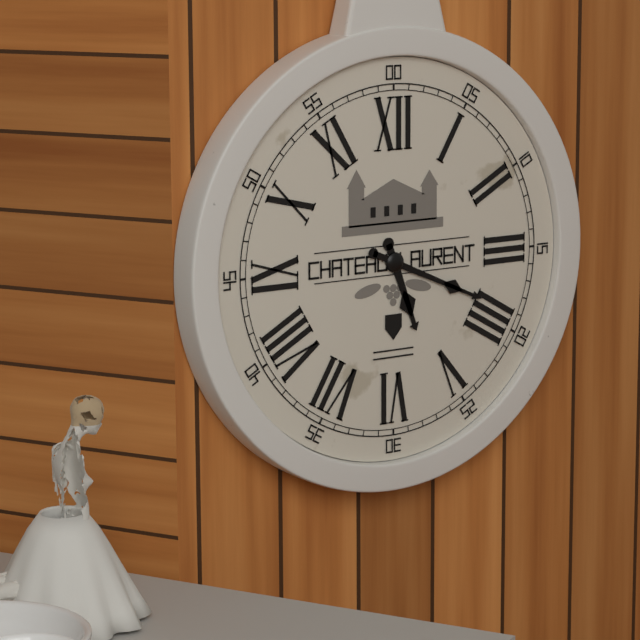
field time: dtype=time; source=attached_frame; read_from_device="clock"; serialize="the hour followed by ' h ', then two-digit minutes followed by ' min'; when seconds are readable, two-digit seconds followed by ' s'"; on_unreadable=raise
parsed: 5 h 19 min
